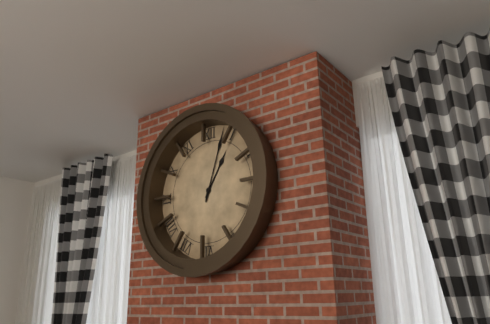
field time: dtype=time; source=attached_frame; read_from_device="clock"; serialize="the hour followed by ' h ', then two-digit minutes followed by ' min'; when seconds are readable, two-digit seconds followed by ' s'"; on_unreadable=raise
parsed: 1 h 03 min
